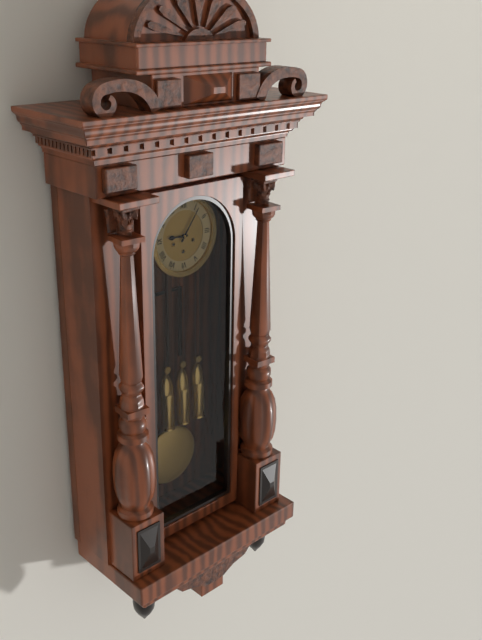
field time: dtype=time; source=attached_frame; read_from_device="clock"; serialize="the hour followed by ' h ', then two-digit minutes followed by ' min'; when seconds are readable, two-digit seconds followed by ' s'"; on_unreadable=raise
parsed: 9 h 06 min
